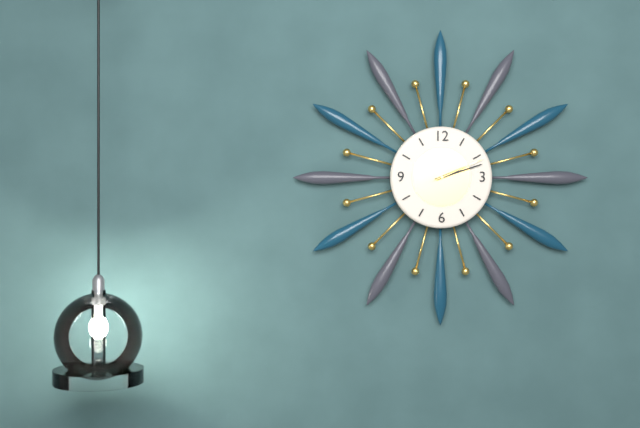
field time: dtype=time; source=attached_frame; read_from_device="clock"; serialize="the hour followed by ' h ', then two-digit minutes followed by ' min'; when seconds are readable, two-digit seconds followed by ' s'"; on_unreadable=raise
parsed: 2 h 12 min 11 s
